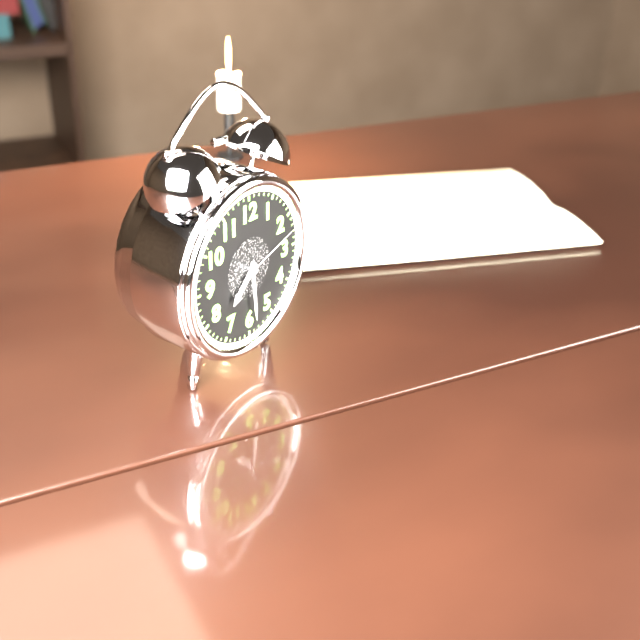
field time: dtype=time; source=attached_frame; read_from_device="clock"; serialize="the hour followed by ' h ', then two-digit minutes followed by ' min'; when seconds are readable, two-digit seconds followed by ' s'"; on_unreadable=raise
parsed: 7 h 29 min 12 s
